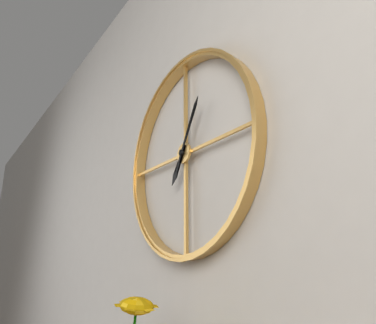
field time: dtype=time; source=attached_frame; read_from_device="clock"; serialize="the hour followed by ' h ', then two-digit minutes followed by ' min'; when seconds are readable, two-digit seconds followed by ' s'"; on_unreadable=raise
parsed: 7 h 05 min
